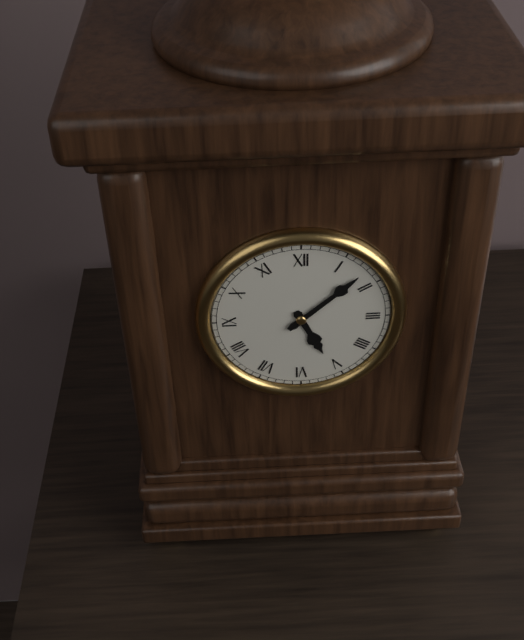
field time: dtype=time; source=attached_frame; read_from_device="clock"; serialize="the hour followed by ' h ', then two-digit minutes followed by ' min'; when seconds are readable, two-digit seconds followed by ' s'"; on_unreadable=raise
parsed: 5 h 08 min
